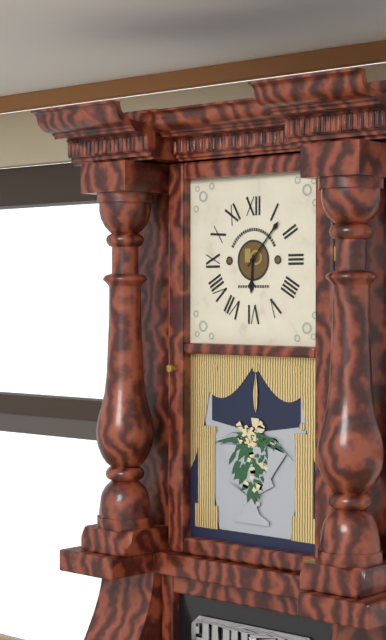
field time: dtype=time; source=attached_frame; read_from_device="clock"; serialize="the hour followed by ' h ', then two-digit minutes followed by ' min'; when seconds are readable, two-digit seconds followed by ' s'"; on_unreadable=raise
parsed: 6 h 07 min
